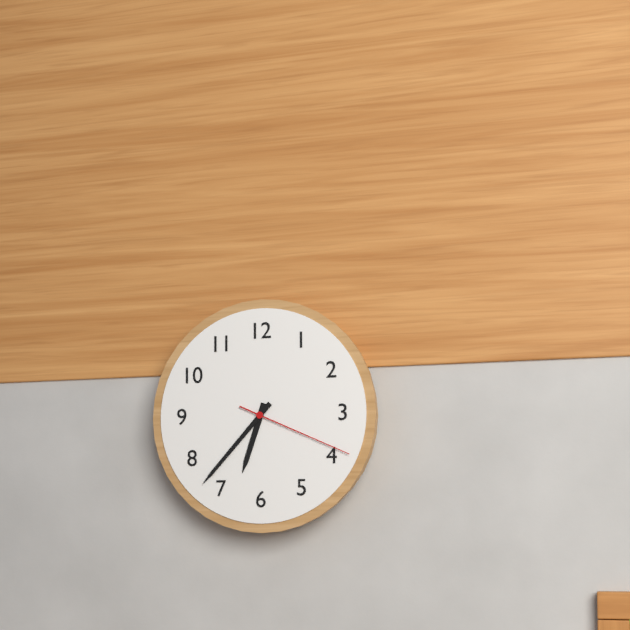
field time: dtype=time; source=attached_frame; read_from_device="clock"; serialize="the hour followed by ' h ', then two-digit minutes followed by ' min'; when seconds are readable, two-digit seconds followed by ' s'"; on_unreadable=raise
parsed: 6 h 37 min 19 s
